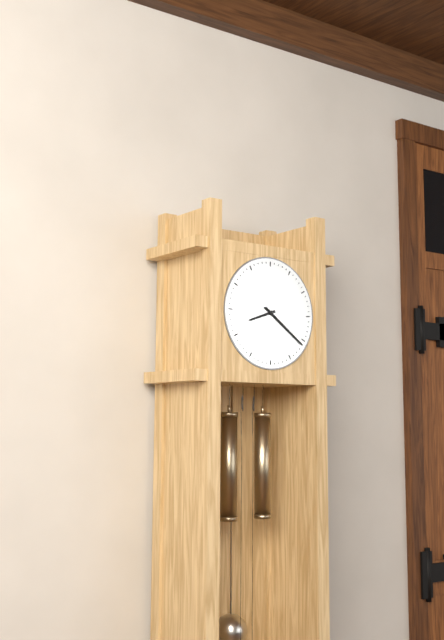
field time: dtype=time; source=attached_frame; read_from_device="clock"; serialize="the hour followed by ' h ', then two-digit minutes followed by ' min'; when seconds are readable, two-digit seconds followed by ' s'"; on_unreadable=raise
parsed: 8 h 21 min
